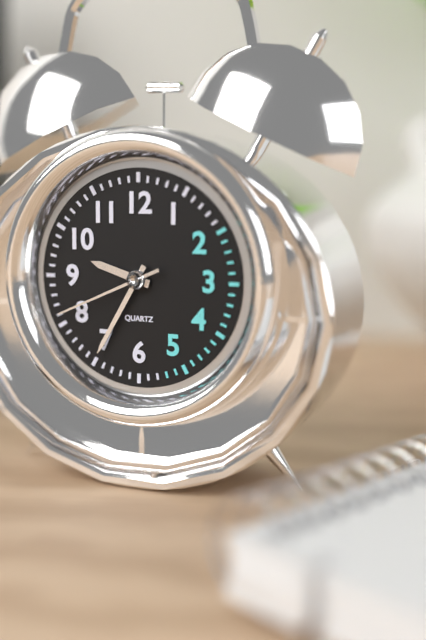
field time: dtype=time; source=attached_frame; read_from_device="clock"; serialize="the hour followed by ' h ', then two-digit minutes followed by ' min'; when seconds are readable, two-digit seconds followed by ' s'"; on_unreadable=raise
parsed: 9 h 35 min 41 s
